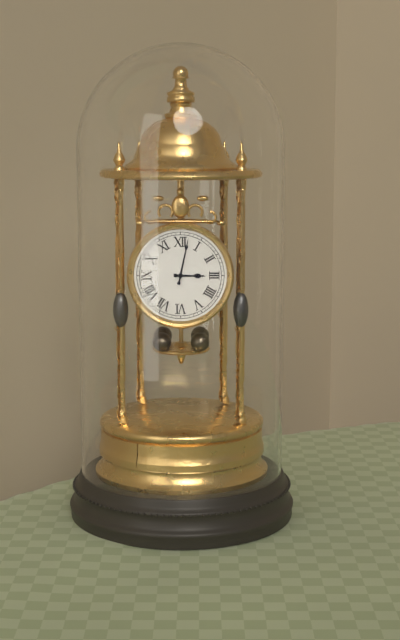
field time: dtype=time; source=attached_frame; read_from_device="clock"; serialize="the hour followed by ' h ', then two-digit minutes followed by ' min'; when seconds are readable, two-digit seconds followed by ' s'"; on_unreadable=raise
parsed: 3 h 02 min
